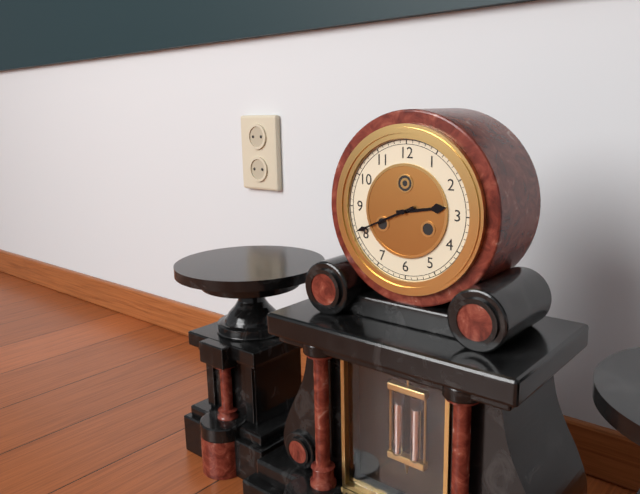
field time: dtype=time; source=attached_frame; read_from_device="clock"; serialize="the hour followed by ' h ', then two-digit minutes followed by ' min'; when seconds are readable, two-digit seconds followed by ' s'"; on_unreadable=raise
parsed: 2 h 41 min
